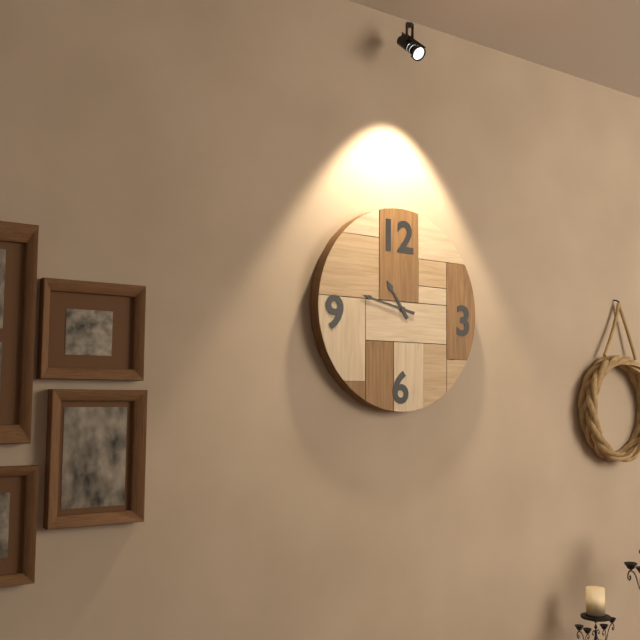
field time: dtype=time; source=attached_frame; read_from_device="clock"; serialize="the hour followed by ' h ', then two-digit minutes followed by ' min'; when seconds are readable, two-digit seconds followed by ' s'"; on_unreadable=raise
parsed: 10 h 47 min
